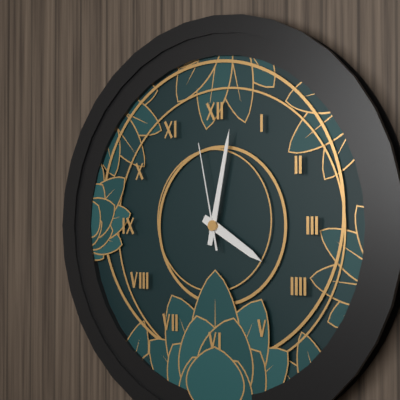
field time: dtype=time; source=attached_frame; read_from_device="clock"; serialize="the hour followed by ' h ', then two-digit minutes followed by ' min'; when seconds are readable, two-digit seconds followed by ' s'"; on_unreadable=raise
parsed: 4 h 02 min 58 s
